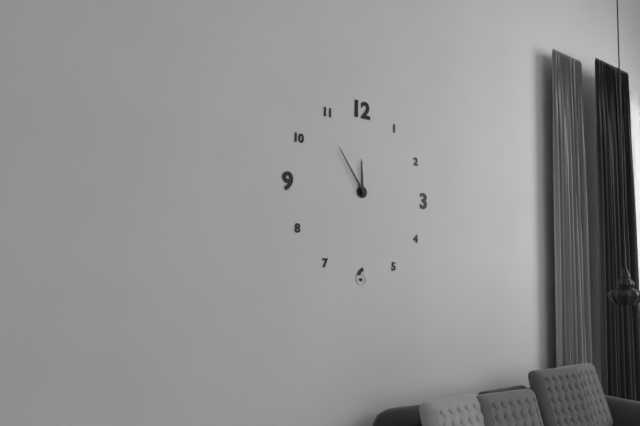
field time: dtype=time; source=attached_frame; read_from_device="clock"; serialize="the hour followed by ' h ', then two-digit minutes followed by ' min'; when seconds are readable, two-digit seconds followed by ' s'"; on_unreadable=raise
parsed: 11 h 54 min
